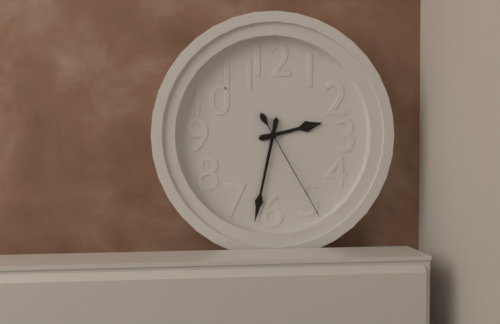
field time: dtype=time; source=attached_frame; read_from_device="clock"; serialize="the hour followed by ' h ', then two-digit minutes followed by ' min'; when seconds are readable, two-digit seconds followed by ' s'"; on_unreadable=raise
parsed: 2 h 32 min 25 s
